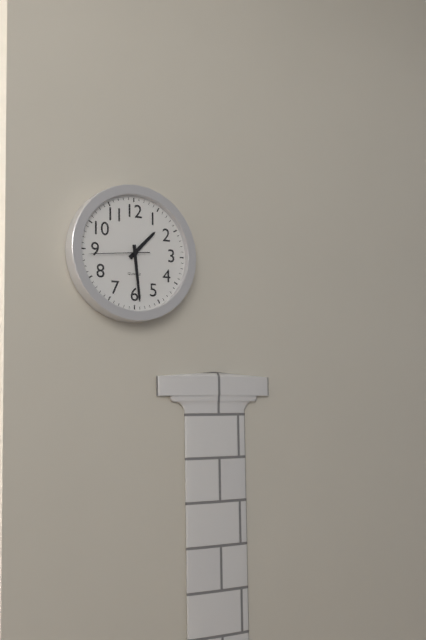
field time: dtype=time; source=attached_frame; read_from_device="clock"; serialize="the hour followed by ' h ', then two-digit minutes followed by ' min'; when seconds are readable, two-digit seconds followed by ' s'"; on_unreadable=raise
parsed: 1 h 29 min 44 s
